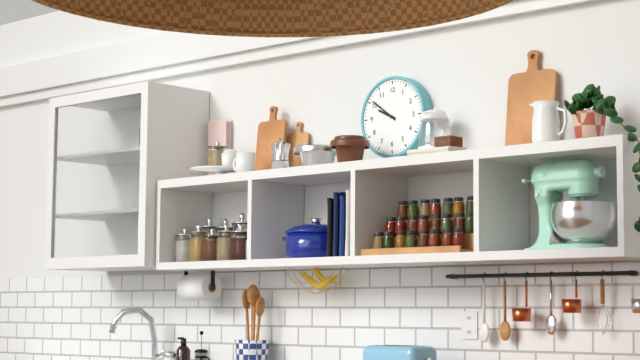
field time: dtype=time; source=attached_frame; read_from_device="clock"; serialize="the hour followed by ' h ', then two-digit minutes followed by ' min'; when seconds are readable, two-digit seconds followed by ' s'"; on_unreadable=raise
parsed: 9 h 51 min
